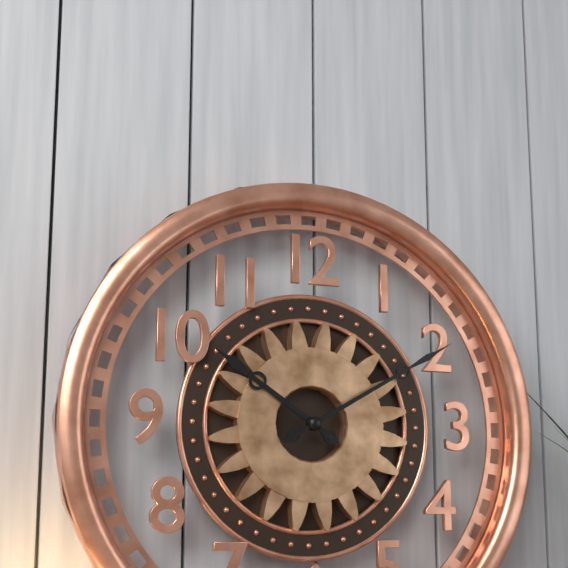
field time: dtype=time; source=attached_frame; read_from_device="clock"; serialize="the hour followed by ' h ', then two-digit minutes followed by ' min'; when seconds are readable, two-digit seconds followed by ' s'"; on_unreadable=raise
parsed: 10 h 10 min
